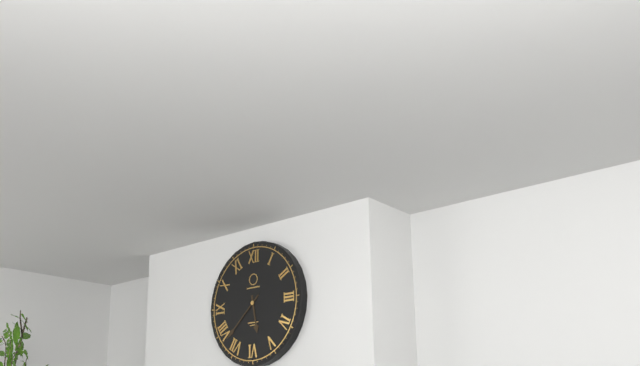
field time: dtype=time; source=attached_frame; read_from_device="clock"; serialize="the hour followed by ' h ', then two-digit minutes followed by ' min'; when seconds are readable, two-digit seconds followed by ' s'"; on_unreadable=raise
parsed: 5 h 38 min
